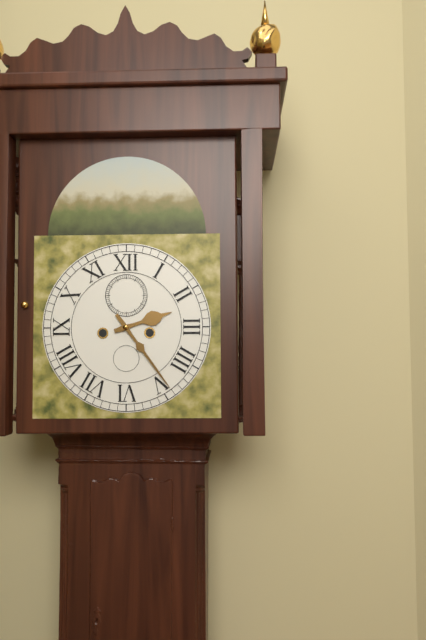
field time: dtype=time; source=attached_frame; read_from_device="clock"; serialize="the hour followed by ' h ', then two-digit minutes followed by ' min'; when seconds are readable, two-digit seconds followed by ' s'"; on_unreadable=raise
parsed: 2 h 24 min
